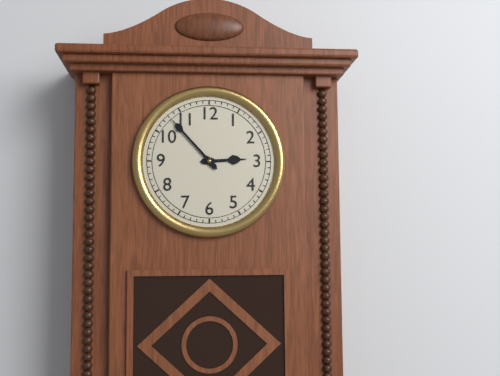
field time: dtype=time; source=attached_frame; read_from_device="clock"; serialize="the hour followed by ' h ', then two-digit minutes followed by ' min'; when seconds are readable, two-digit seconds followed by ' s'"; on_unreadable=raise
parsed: 2 h 53 min
